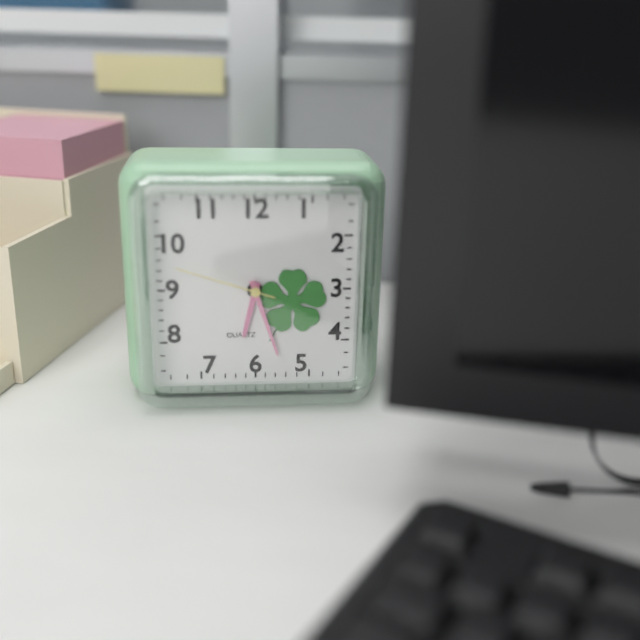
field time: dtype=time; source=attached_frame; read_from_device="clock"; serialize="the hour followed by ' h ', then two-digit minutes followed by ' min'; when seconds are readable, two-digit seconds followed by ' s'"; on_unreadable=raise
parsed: 6 h 27 min 48 s
